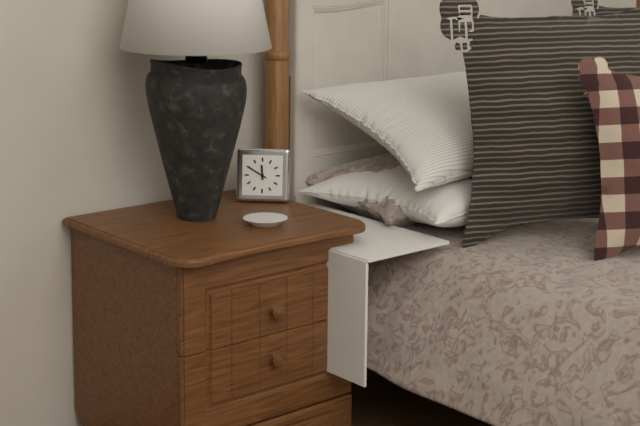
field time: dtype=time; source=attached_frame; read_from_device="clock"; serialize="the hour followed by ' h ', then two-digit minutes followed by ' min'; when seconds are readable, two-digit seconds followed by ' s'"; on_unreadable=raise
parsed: 11 h 50 min
